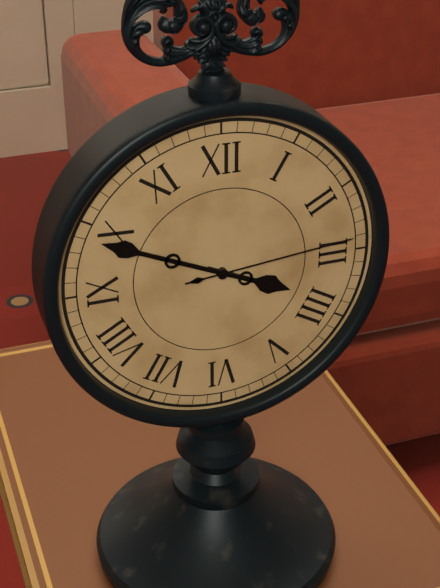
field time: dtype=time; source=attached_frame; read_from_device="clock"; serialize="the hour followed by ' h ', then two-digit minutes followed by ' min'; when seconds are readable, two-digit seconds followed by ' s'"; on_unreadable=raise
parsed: 3 h 49 min 14 s
